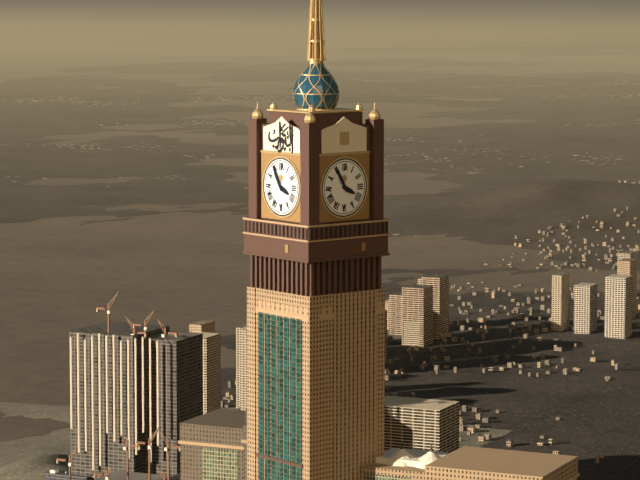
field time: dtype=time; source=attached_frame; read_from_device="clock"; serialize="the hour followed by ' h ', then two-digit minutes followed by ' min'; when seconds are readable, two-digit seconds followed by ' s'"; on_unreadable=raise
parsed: 3 h 55 min
